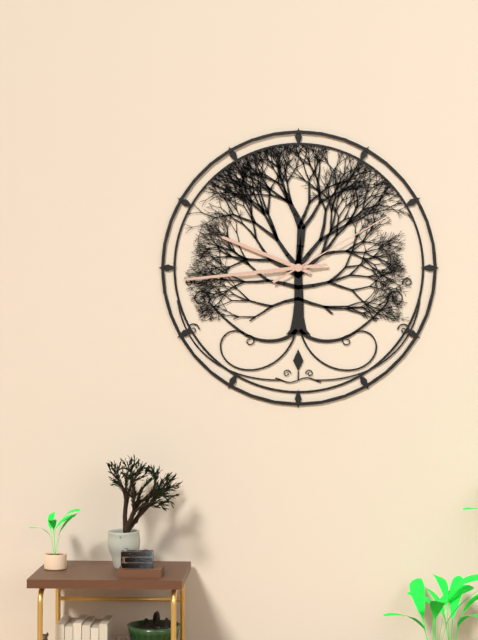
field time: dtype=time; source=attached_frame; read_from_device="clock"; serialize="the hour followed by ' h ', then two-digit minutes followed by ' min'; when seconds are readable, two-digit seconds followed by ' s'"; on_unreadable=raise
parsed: 9 h 44 min 10 s
